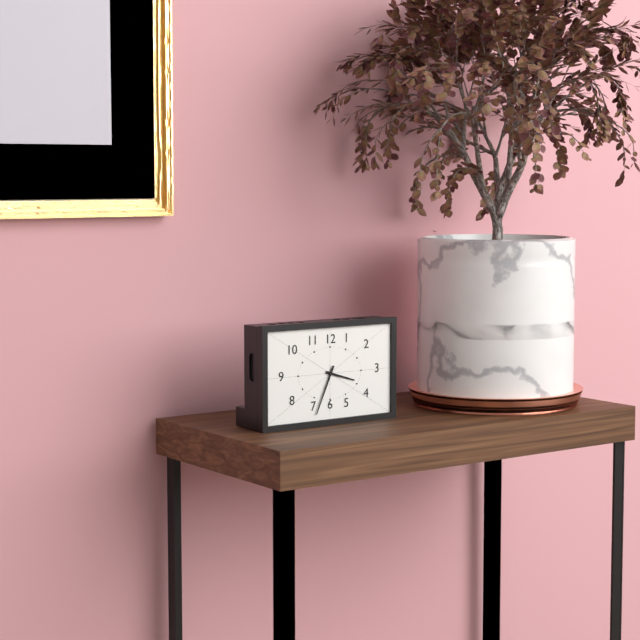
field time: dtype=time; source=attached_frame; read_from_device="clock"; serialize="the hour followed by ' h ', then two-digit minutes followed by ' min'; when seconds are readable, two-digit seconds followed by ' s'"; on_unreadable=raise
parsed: 3 h 34 min
